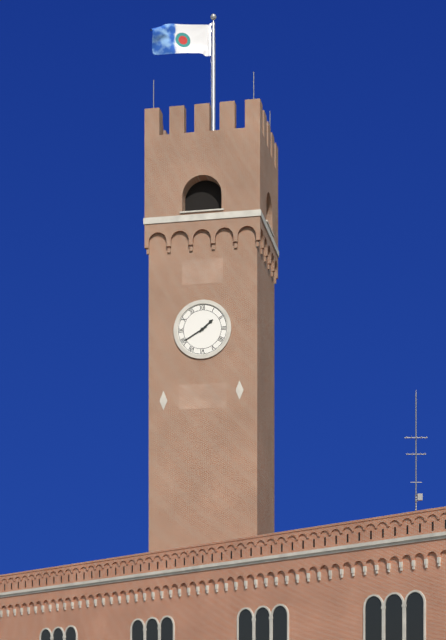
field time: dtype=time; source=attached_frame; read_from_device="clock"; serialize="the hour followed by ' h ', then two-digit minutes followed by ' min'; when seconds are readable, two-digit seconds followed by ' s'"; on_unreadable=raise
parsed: 1 h 40 min
